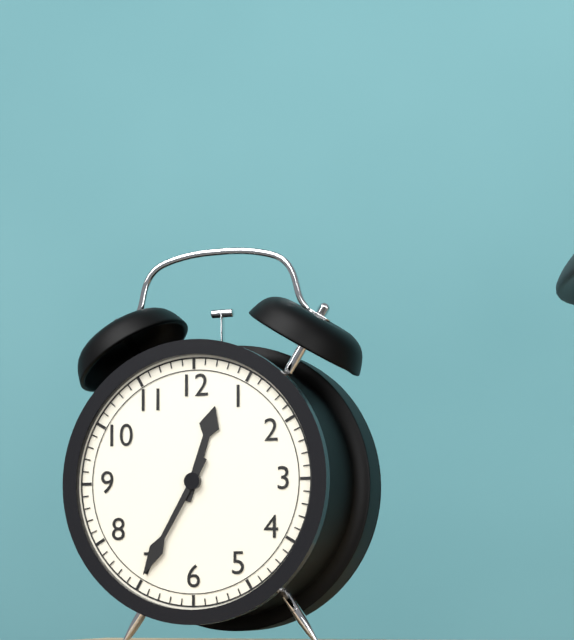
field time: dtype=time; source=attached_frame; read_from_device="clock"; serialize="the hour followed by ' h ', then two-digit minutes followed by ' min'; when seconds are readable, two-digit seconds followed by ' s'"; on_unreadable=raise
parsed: 12 h 35 min
